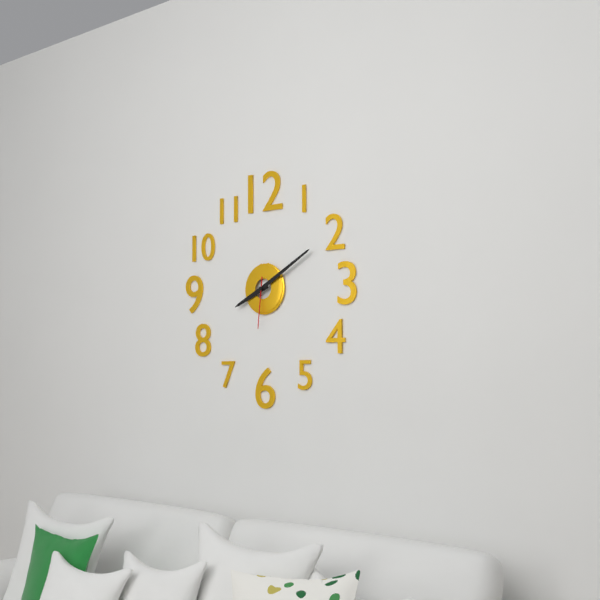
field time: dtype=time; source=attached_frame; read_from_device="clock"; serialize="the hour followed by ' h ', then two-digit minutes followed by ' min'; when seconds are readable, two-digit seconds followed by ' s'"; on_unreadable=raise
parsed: 8 h 10 min 31 s
